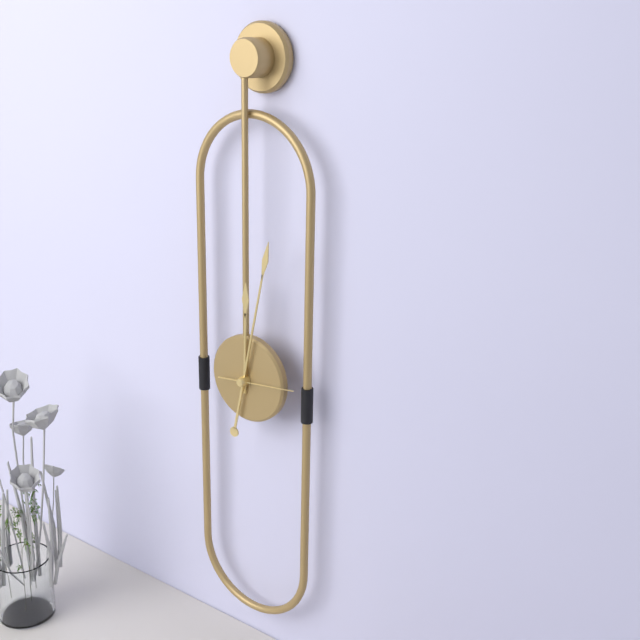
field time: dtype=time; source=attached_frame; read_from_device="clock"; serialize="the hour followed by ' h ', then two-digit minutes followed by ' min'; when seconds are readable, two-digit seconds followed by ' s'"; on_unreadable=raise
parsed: 12 h 02 min
